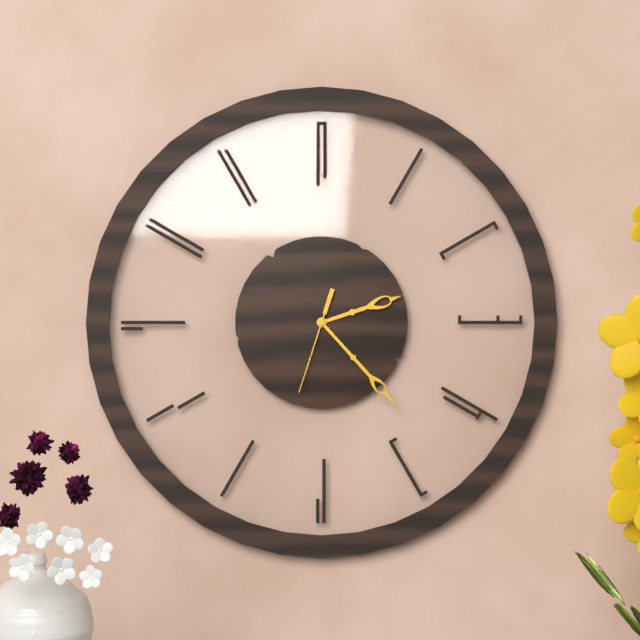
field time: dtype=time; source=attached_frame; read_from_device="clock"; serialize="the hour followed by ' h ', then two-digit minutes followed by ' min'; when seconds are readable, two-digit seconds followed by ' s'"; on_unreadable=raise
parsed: 2 h 23 min 33 s
